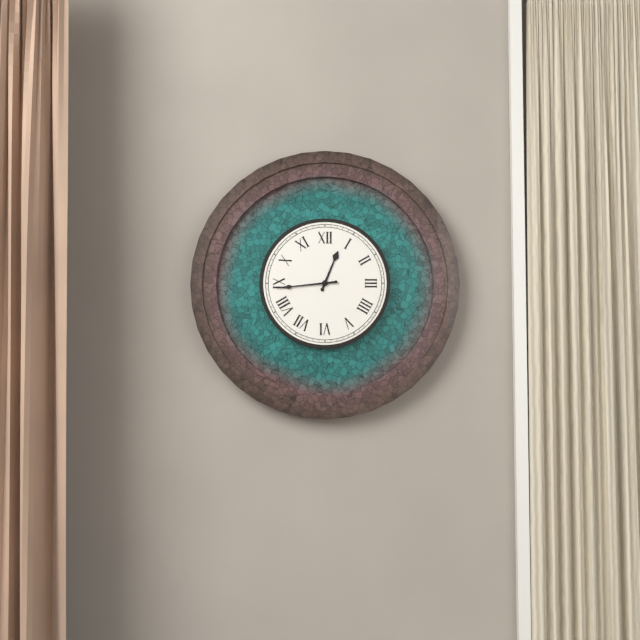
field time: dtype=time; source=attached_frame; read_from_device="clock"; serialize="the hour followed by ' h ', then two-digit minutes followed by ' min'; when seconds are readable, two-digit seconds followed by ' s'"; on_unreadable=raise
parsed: 12 h 44 min
